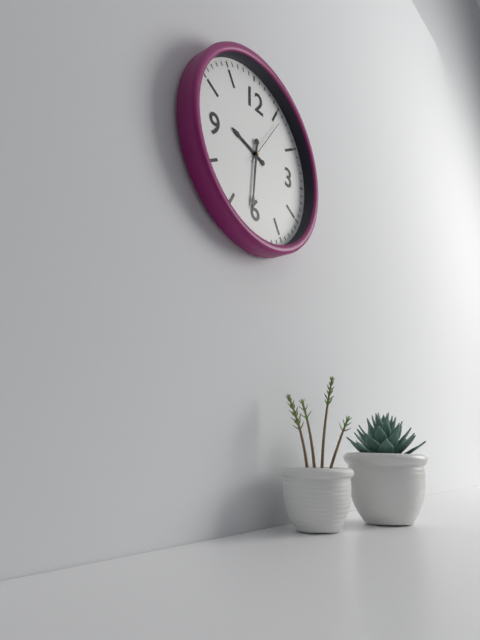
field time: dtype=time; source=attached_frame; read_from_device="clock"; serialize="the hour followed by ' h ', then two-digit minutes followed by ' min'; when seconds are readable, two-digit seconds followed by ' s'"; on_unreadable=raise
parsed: 9 h 31 min
